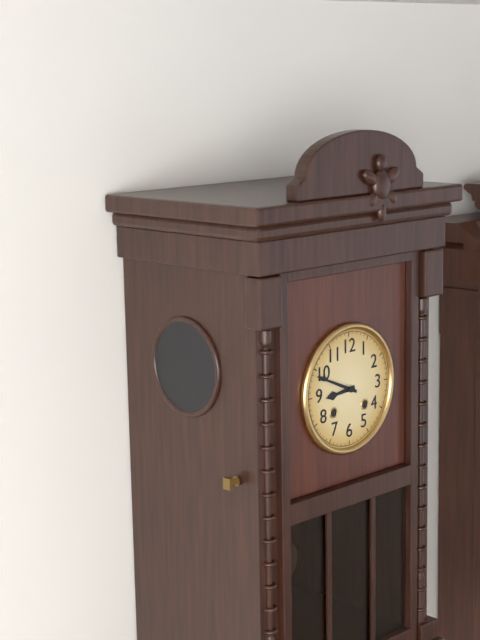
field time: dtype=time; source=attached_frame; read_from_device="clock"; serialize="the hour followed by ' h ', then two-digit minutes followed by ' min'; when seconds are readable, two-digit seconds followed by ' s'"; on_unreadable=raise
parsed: 8 h 49 min
